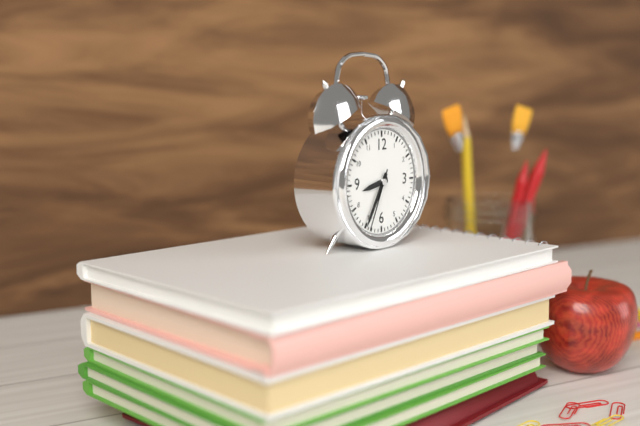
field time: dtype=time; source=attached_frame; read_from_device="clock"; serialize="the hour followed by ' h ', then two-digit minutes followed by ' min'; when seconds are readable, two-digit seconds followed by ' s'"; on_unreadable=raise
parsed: 8 h 35 min 34 s
